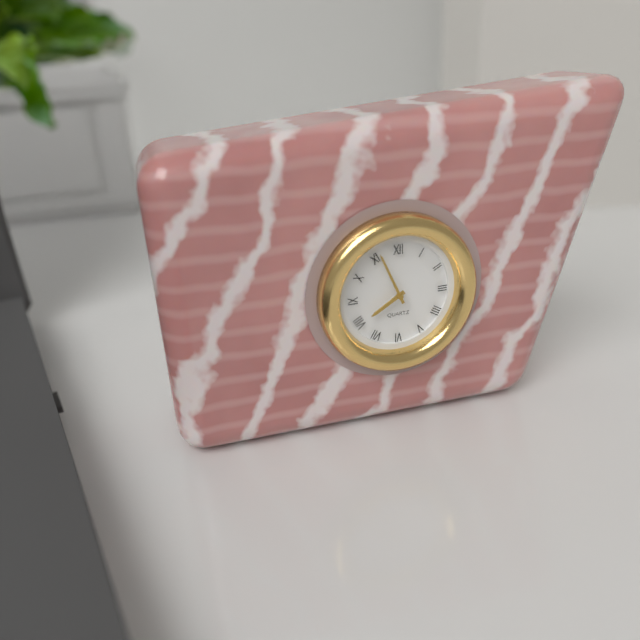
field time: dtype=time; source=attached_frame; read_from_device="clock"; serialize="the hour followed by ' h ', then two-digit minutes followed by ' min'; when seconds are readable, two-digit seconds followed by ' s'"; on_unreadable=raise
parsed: 7 h 56 min
